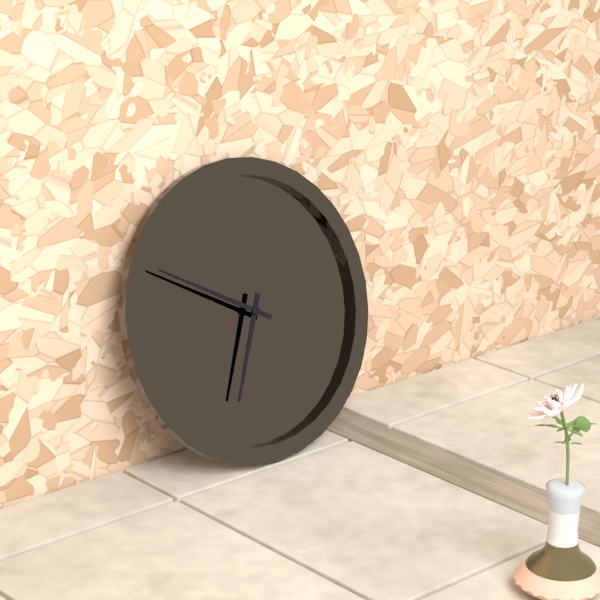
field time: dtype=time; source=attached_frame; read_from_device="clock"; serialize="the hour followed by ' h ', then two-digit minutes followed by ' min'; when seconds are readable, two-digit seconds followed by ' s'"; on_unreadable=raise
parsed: 6 h 50 min
